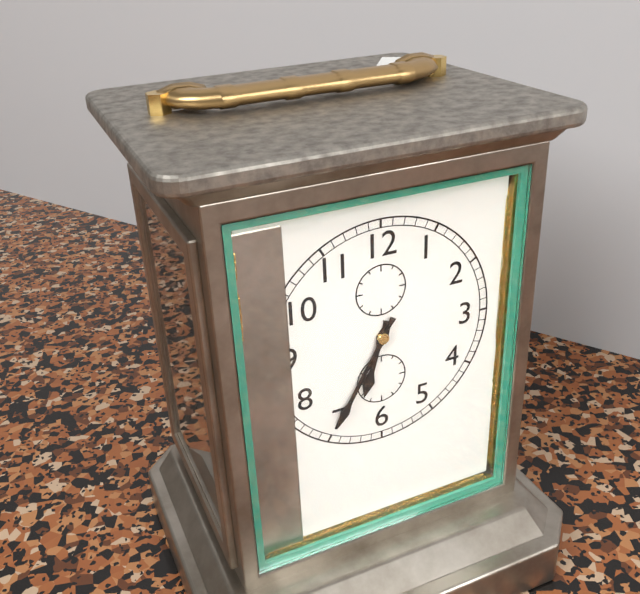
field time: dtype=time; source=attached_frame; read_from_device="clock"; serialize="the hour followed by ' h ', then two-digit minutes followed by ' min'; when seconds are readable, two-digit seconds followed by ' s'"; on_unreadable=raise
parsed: 6 h 35 min
